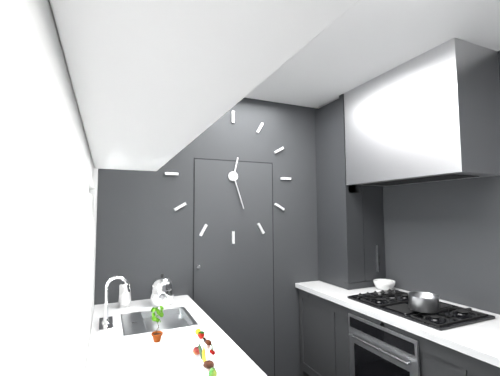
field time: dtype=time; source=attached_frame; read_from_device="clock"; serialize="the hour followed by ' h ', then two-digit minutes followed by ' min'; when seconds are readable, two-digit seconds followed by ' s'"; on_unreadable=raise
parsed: 12 h 27 min
